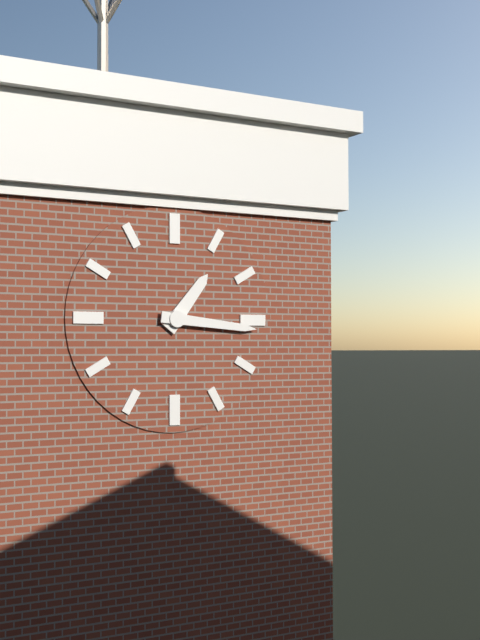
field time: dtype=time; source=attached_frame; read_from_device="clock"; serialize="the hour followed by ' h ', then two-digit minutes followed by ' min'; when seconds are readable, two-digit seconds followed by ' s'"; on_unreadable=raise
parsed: 1 h 16 min
